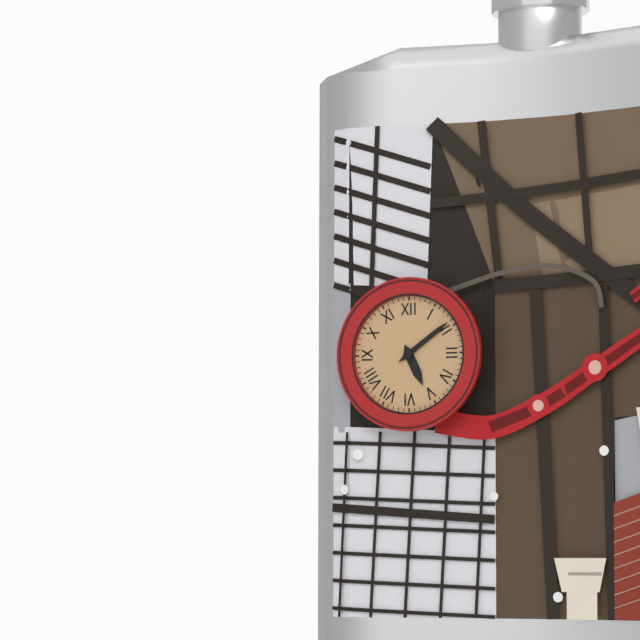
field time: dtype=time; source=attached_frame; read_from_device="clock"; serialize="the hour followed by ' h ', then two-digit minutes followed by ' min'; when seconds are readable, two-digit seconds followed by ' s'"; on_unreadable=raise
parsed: 5 h 09 min
